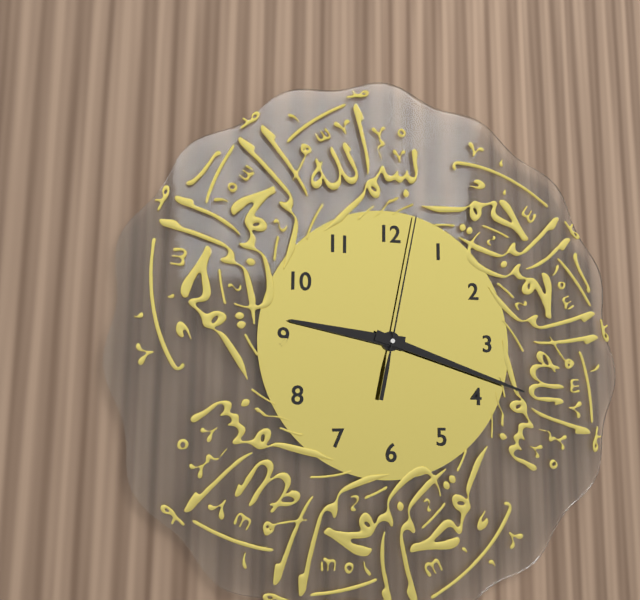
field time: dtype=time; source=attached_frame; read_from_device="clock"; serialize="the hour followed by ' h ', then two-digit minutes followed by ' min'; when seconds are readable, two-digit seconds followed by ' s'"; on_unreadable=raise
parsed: 9 h 18 min 02 s
